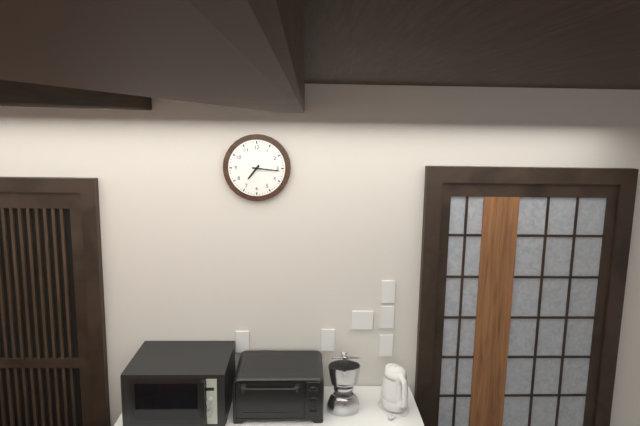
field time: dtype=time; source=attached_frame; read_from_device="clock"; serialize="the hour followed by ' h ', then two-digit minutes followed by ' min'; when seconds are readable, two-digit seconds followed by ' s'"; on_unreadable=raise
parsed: 7 h 16 min
